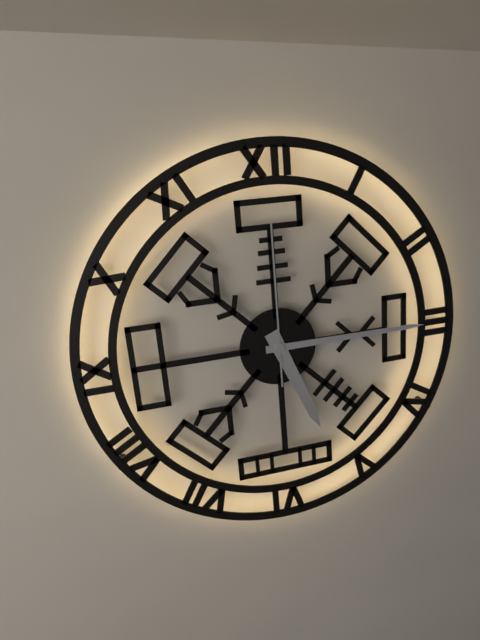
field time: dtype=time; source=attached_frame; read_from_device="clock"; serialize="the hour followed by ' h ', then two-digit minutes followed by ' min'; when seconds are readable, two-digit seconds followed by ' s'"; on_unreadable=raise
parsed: 5 h 15 min 00 s
